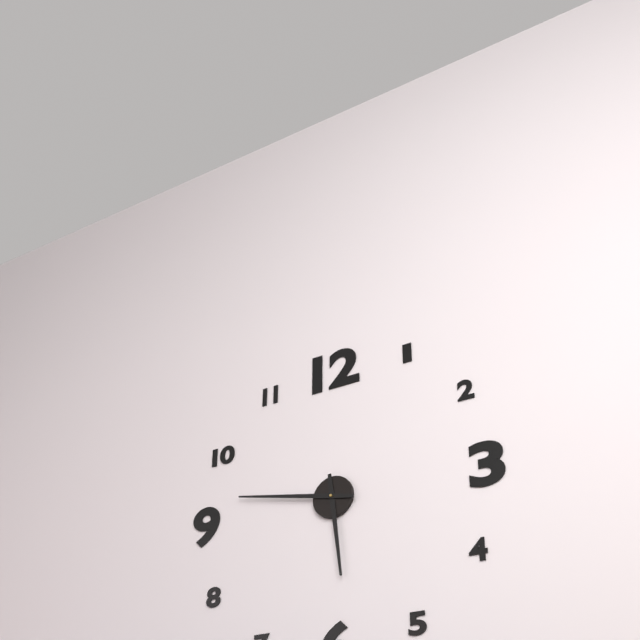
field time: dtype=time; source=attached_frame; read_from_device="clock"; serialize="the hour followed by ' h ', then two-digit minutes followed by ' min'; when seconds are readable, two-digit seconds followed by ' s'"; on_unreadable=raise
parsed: 5 h 47 min
